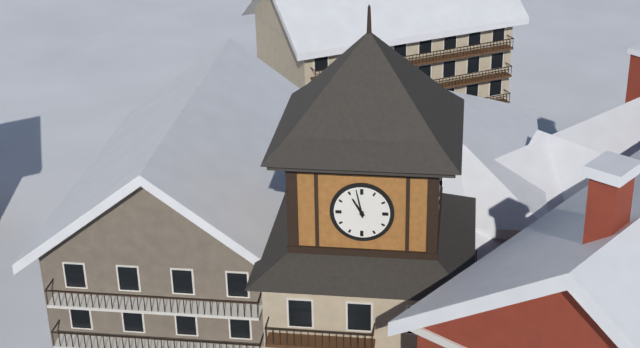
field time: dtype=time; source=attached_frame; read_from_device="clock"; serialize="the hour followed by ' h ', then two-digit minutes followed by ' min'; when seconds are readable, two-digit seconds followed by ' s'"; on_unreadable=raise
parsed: 10 h 58 min
